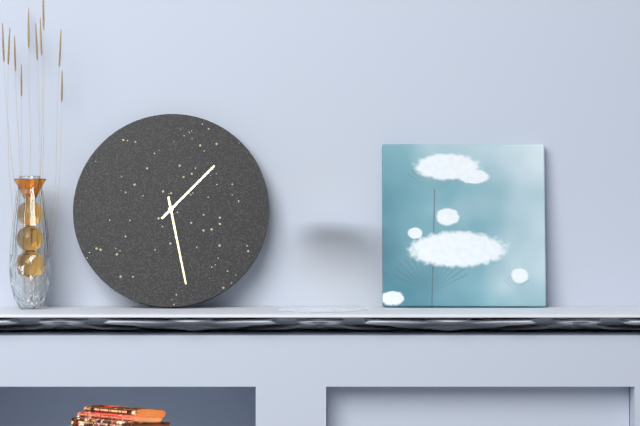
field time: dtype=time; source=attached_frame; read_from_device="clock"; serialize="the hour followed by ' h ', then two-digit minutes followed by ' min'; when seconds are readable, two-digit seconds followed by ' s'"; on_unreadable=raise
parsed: 1 h 28 min
